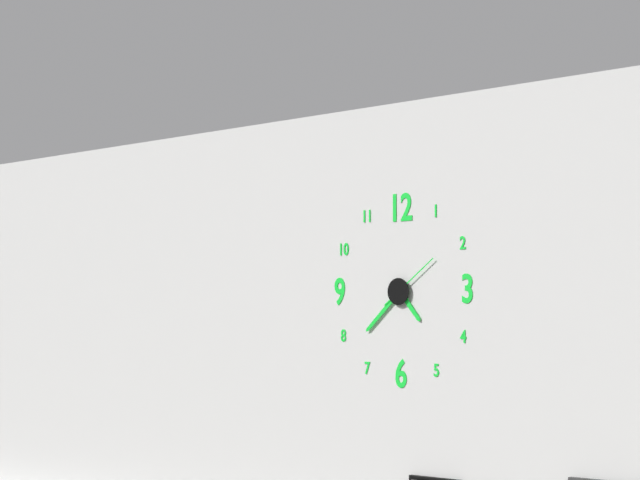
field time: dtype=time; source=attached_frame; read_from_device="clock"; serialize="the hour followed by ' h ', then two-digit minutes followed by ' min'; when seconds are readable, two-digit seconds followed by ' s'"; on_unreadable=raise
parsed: 4 h 38 min 09 s
